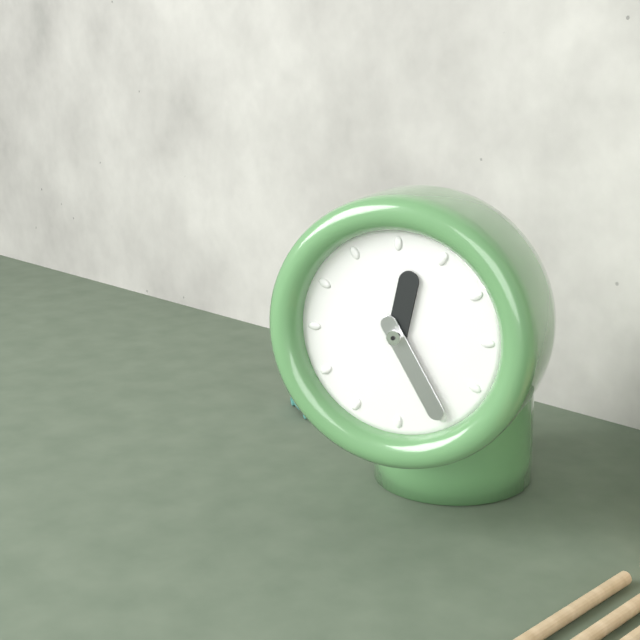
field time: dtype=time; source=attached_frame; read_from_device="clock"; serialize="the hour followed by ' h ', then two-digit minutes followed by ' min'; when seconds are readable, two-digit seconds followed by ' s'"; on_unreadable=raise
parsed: 12 h 25 min
